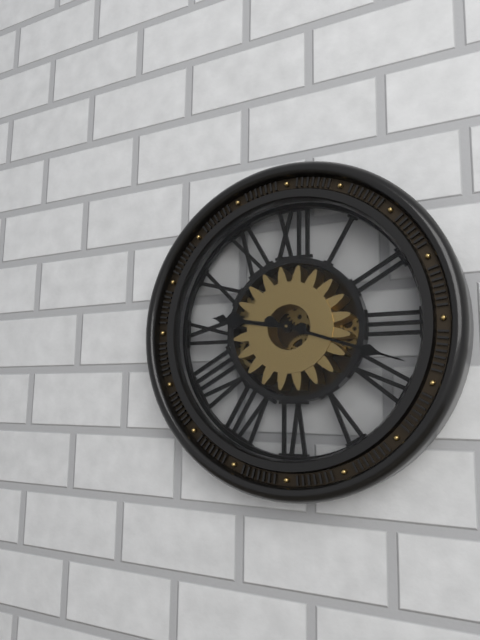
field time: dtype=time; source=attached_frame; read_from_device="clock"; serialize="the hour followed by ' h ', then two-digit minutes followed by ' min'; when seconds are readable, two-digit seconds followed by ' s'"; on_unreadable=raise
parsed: 9 h 18 min
